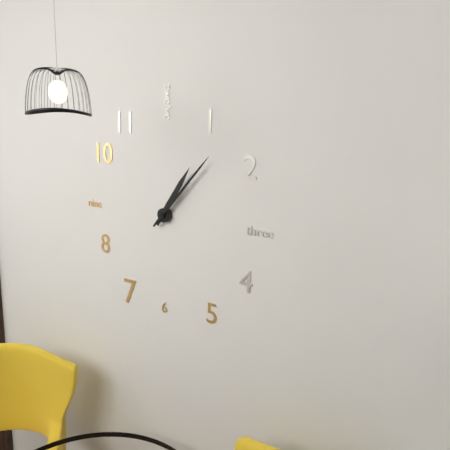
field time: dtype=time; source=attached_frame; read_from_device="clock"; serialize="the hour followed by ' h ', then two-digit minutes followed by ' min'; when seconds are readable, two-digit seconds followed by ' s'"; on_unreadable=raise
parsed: 1 h 07 min
